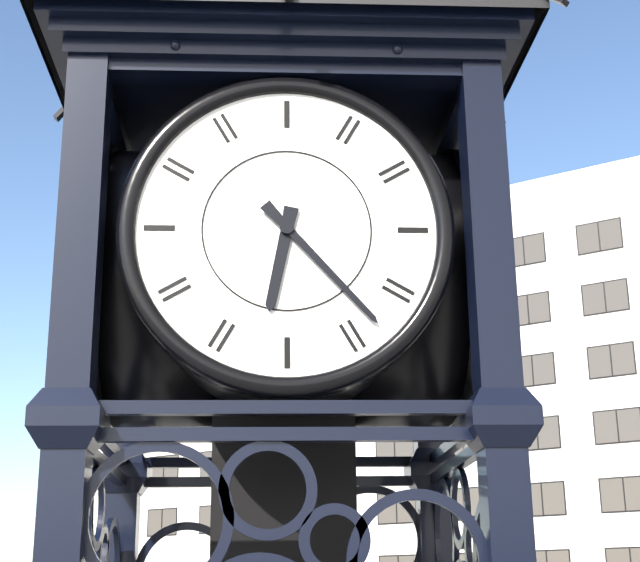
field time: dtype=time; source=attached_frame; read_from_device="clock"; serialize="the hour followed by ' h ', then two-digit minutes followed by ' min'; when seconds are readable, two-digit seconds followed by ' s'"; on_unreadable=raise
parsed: 6 h 23 min
